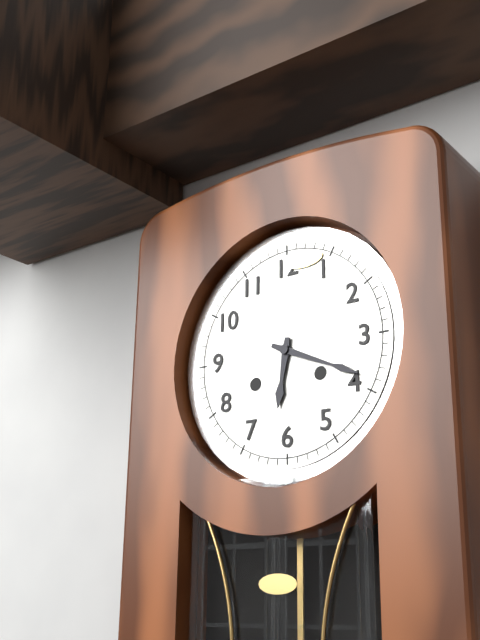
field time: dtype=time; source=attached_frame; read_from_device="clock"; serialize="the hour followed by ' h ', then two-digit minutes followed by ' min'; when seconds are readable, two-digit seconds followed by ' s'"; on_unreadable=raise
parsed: 6 h 19 min
